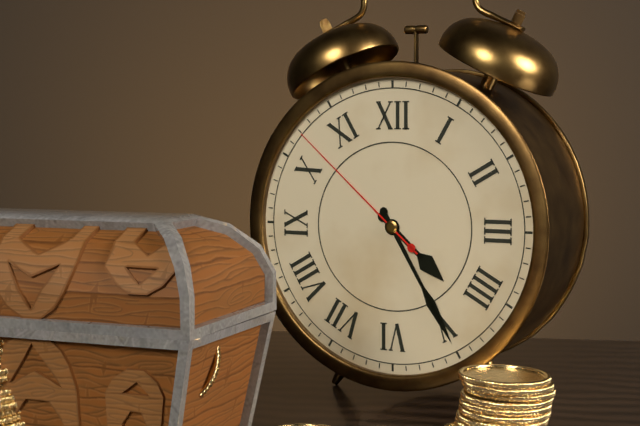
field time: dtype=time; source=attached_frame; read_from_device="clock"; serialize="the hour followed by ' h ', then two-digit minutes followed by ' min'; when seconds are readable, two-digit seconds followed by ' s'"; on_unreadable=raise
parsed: 4 h 25 min 52 s
